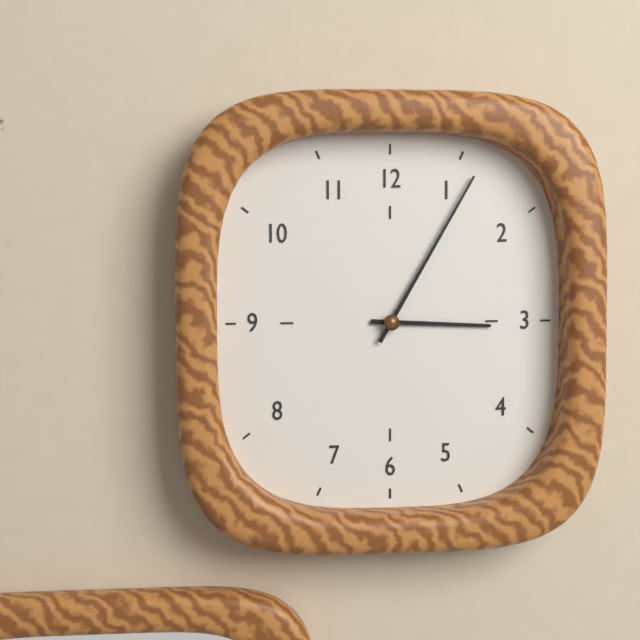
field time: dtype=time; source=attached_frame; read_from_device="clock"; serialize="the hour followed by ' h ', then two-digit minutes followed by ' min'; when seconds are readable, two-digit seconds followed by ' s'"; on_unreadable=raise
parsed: 3 h 05 min
